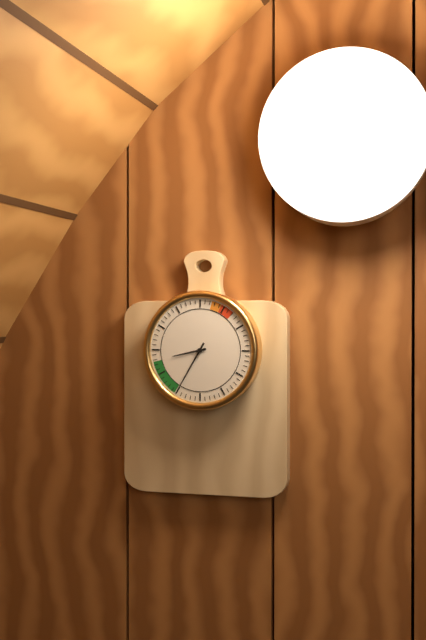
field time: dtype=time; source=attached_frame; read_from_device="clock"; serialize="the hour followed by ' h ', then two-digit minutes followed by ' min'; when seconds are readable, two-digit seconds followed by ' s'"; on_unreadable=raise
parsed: 8 h 35 min
